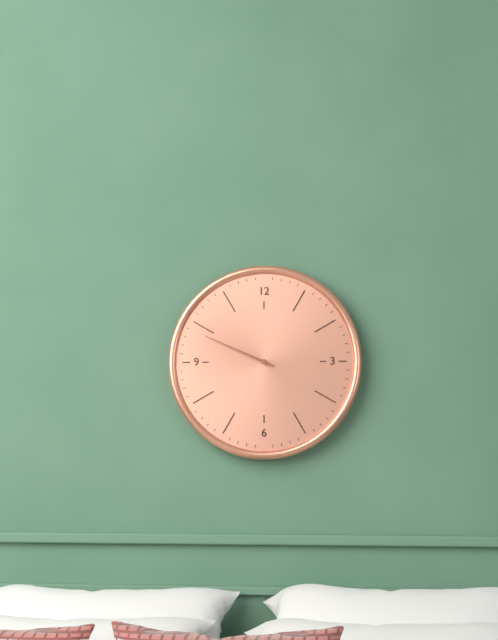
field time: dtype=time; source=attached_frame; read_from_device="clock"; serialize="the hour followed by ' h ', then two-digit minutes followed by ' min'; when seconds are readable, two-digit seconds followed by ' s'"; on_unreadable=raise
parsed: 9 h 49 min
